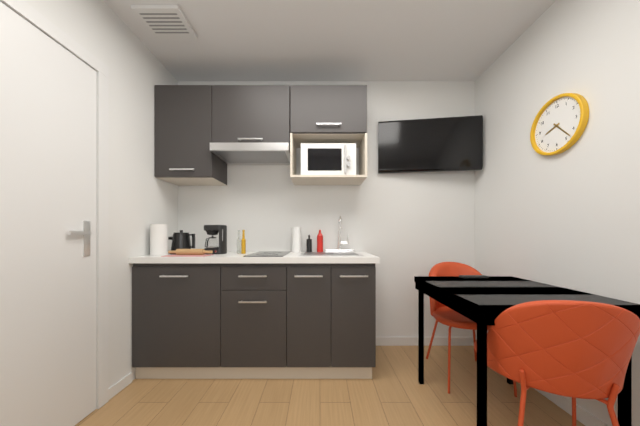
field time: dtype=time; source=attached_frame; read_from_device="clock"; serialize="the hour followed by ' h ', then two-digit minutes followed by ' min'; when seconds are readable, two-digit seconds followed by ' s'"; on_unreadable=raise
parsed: 8 h 23 min
